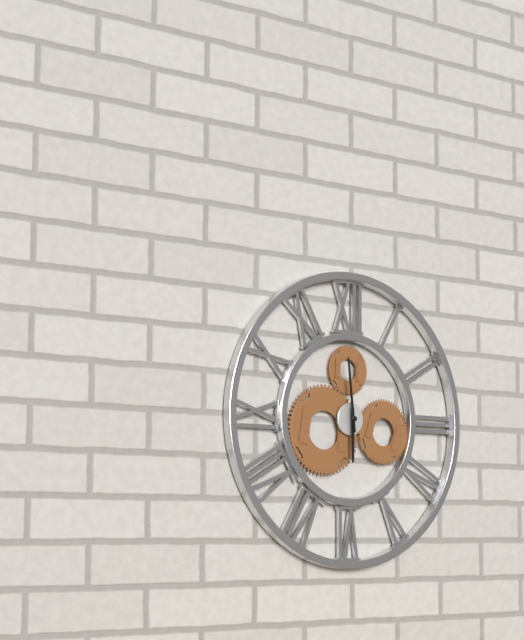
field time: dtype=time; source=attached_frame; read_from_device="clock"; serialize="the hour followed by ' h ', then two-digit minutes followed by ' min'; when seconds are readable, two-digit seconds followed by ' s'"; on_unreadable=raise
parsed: 5 h 59 min
